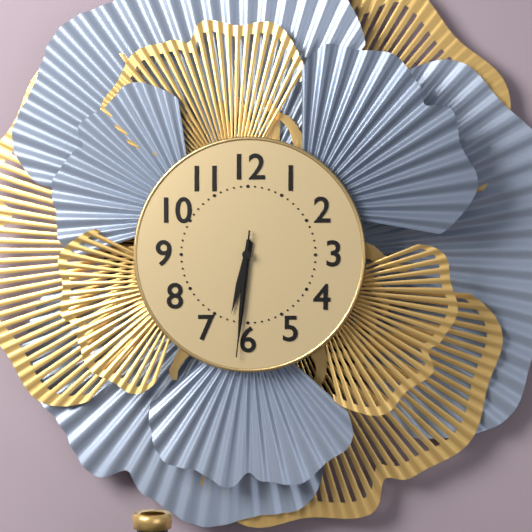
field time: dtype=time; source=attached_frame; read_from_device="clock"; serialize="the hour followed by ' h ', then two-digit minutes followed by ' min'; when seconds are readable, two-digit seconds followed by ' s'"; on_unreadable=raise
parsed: 6 h 31 min 31 s
